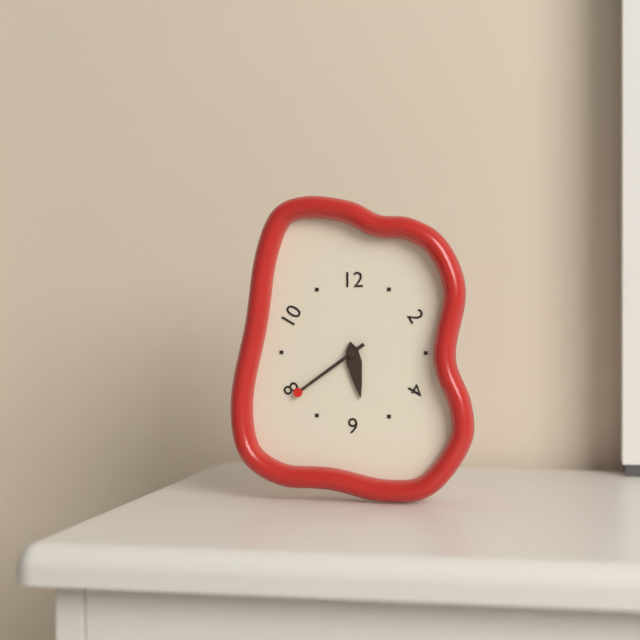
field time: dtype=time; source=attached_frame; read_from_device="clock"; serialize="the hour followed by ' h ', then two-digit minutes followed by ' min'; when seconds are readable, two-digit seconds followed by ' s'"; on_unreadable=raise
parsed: 5 h 39 min
